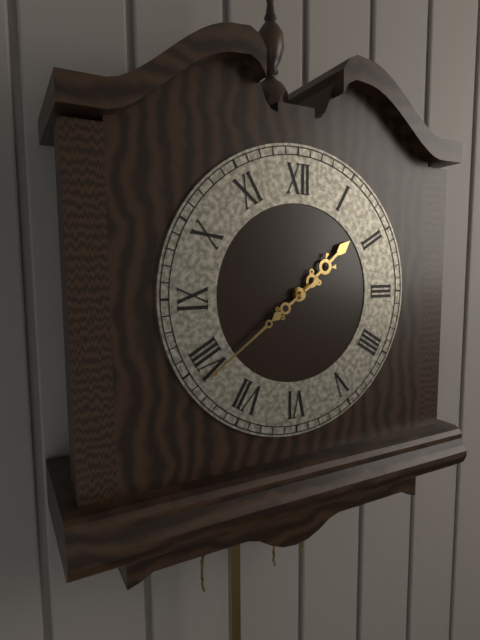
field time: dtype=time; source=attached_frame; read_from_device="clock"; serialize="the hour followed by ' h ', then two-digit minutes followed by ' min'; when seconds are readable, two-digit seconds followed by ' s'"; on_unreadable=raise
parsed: 1 h 39 min
